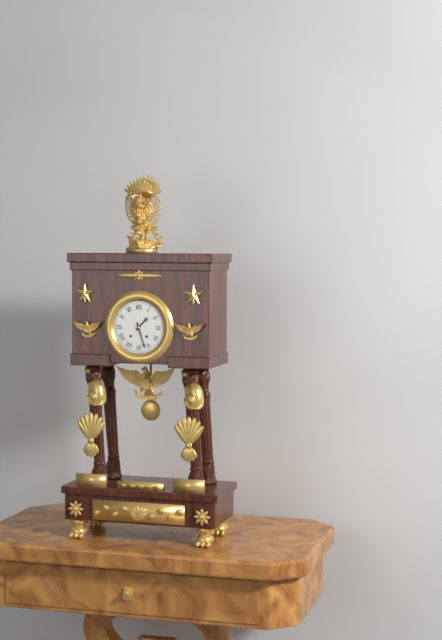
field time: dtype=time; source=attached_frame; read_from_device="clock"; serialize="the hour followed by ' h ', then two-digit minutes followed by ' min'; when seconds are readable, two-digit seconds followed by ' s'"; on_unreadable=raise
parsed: 1 h 27 min
